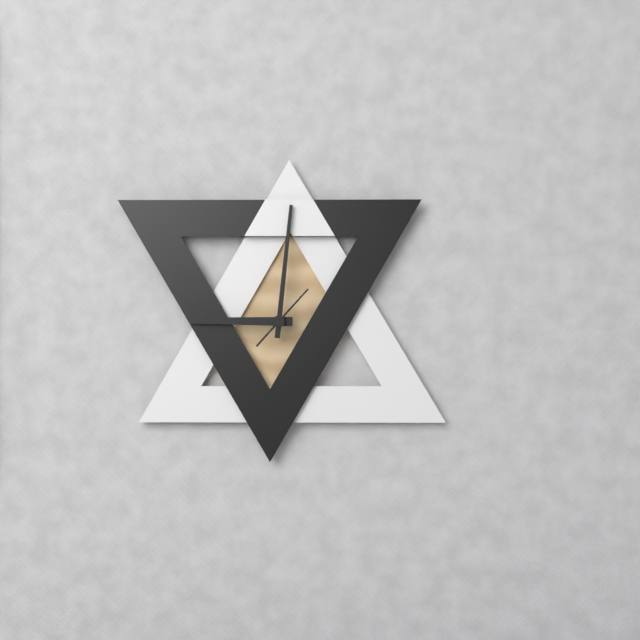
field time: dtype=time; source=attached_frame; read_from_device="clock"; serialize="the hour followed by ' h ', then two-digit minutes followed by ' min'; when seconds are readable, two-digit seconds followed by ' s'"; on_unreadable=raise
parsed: 9 h 01 min 07 s
